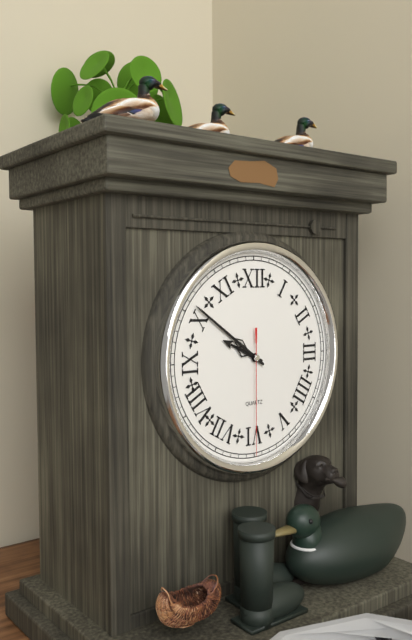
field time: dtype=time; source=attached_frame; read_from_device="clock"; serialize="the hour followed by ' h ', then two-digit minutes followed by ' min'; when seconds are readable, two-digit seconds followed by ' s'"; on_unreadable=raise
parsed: 9 h 51 min 30 s
